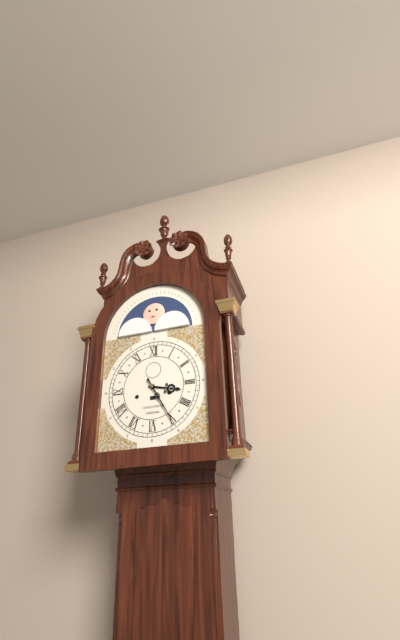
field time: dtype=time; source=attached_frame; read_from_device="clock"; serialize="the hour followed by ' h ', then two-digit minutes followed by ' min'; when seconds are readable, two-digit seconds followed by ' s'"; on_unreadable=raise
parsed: 3 h 25 min
